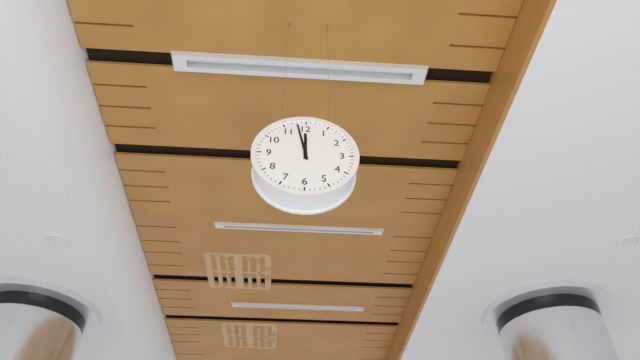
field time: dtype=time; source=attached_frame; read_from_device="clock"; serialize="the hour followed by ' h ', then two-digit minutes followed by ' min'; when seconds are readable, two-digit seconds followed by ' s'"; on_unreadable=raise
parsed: 11 h 58 min
